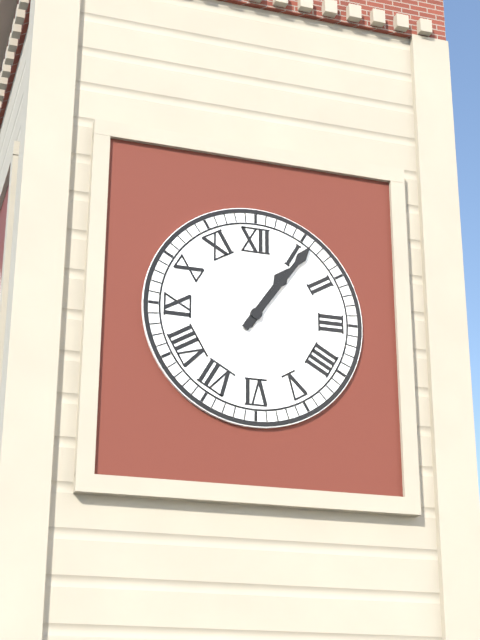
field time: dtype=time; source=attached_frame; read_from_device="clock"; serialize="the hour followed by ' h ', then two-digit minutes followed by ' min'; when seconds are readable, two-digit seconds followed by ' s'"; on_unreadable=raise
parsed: 1 h 06 min
